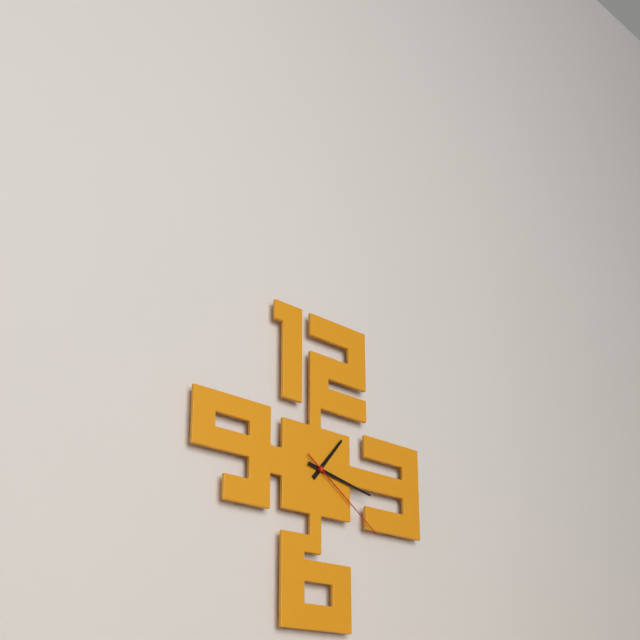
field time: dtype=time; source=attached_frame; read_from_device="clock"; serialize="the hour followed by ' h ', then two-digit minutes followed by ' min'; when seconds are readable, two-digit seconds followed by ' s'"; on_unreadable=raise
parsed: 1 h 17 min 21 s
